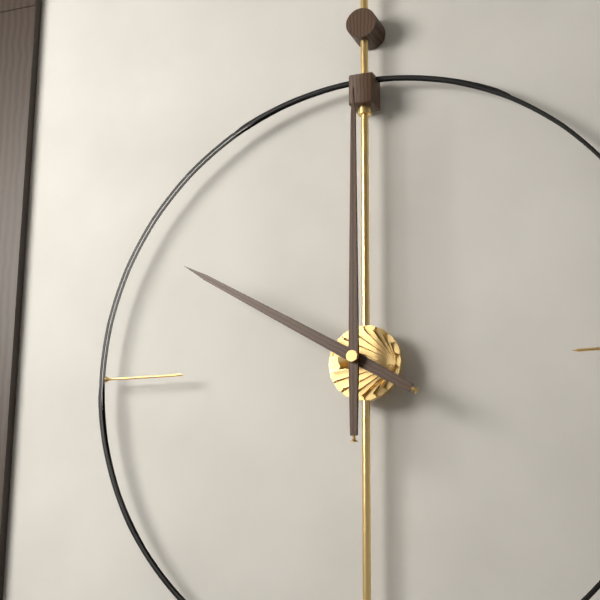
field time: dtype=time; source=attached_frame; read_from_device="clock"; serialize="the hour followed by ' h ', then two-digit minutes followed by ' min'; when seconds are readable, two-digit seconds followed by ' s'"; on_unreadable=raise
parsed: 10 h 00 min
